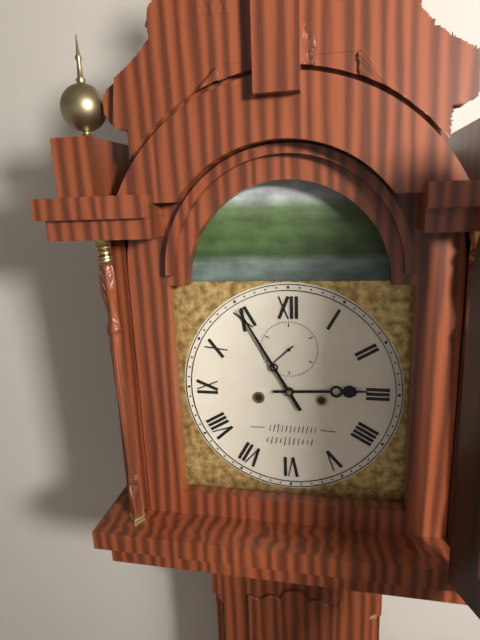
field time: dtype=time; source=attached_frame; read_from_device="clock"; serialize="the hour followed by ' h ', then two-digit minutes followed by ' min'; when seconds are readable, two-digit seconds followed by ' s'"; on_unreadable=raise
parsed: 2 h 55 min
